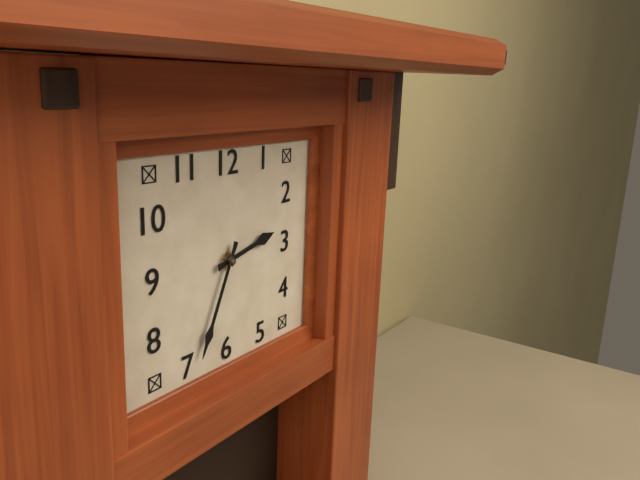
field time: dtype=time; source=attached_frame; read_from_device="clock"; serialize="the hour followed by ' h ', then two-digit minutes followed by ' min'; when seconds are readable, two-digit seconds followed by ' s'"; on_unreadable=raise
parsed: 2 h 34 min
